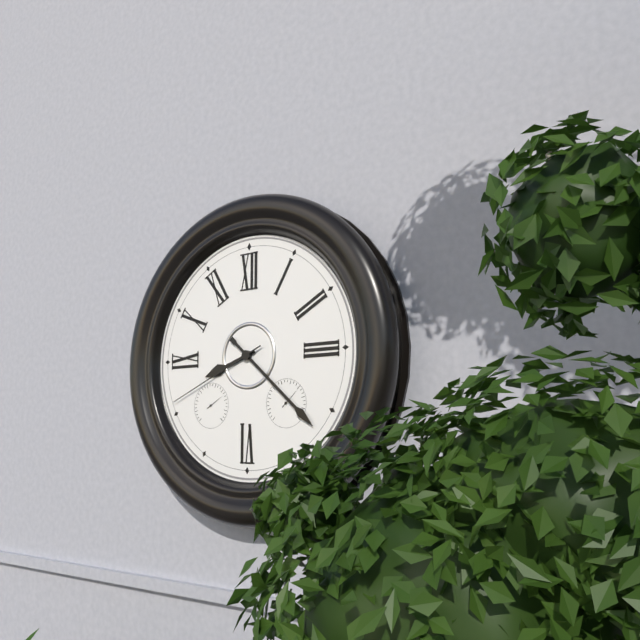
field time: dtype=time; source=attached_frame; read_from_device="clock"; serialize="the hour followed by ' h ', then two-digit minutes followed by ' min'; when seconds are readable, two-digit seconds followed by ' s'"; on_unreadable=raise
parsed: 8 h 22 min 41 s
